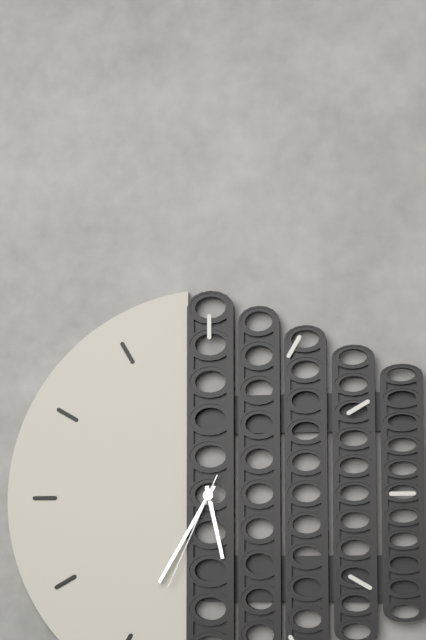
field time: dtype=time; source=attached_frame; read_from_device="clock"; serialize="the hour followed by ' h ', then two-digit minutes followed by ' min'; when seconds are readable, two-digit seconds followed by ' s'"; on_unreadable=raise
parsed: 5 h 35 min 34 s
